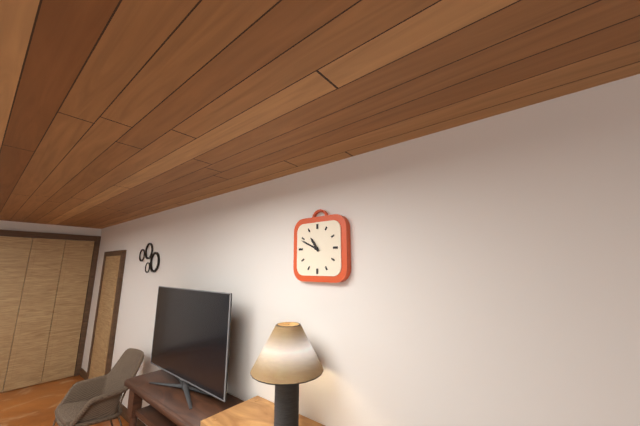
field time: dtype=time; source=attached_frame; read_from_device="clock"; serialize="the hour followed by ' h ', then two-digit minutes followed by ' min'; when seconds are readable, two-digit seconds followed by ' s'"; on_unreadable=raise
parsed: 10 h 49 min
